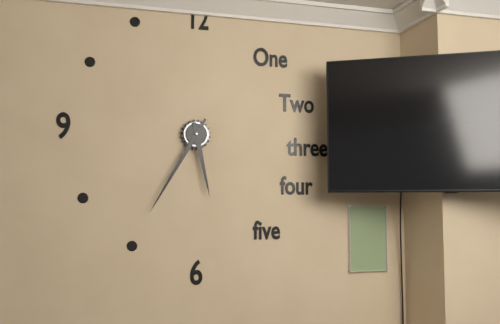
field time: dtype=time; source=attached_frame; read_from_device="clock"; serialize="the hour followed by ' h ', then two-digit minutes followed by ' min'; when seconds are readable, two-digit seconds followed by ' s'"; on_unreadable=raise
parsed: 5 h 35 min
